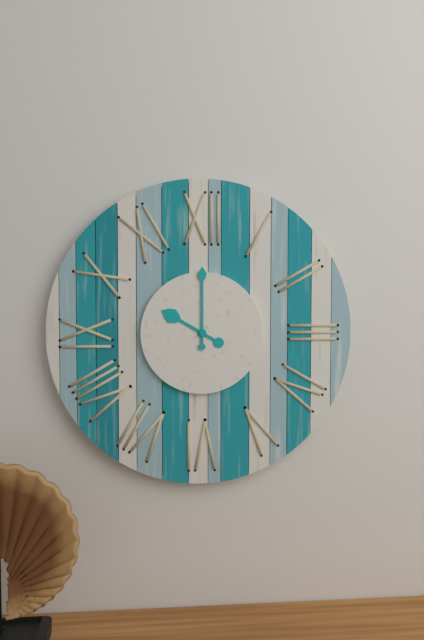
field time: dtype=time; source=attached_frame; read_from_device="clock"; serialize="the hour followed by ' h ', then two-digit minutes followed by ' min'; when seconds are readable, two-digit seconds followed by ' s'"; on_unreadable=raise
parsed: 10 h 00 min
